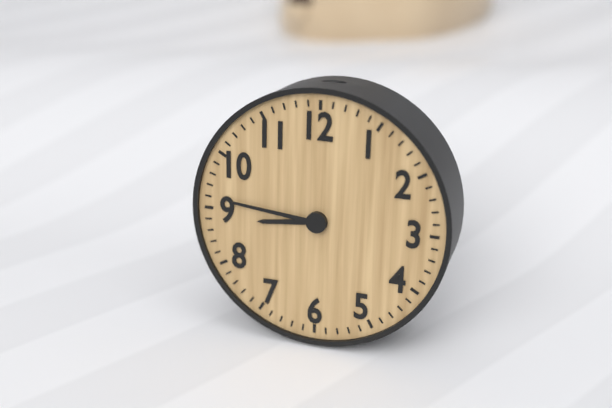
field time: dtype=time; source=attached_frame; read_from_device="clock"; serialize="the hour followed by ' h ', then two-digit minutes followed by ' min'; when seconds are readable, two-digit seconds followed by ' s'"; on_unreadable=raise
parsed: 8 h 46 min
